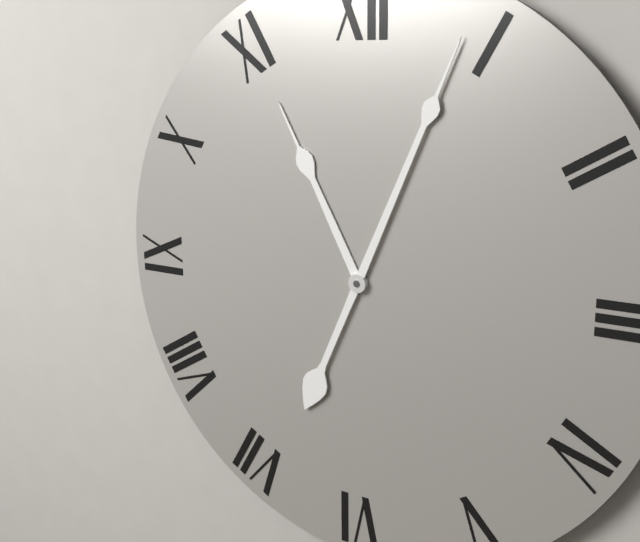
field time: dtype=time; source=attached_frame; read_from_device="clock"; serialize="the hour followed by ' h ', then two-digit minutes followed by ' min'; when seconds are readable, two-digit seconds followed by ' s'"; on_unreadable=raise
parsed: 11 h 04 min
